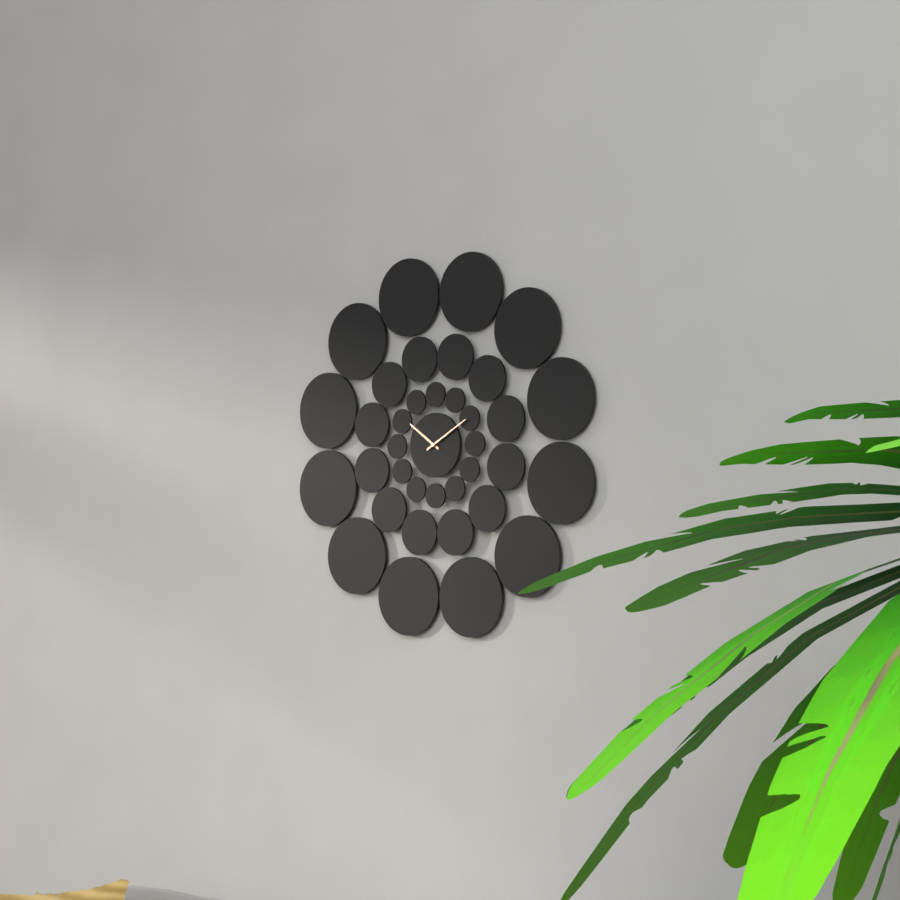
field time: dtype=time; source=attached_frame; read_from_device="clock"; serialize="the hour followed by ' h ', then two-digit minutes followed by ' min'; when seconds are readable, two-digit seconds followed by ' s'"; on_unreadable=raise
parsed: 10 h 10 min
